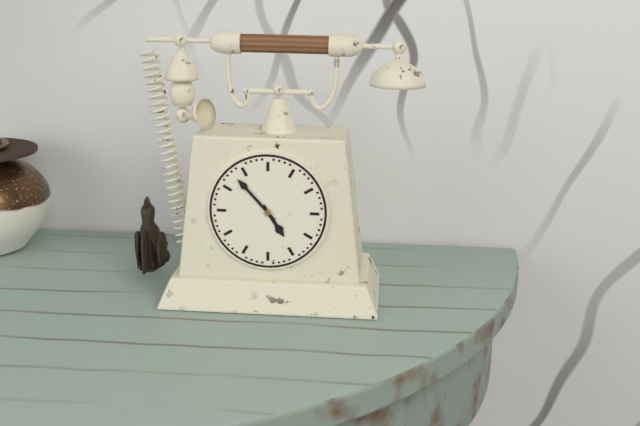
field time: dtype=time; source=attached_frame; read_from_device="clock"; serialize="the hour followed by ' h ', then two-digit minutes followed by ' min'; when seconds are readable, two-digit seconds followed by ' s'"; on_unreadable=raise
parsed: 4 h 53 min
